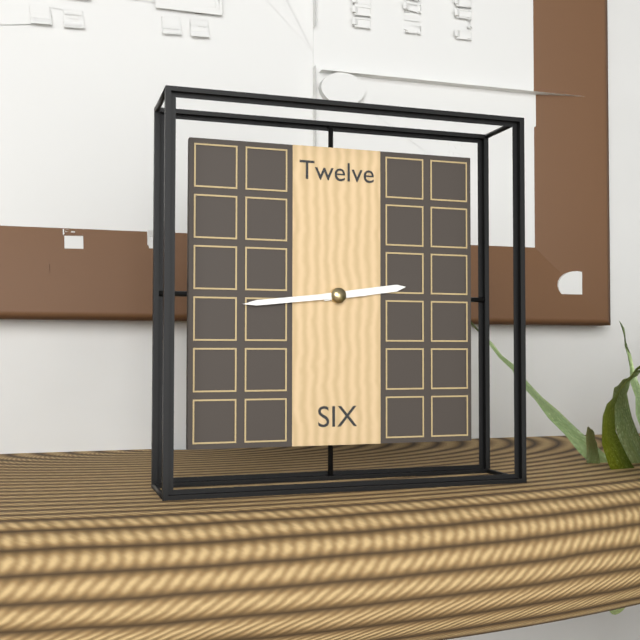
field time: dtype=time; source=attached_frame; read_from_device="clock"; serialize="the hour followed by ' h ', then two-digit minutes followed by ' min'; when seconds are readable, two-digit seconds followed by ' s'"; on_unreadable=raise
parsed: 2 h 44 min
